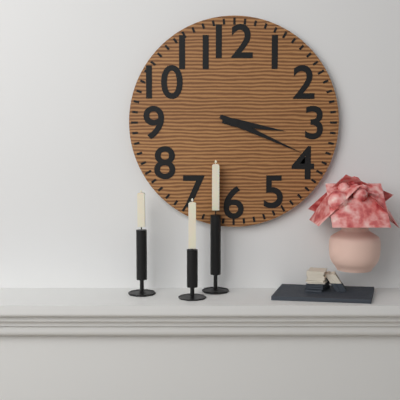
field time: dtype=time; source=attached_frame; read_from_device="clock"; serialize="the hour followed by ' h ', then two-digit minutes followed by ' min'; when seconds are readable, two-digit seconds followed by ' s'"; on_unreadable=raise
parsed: 3 h 19 min
